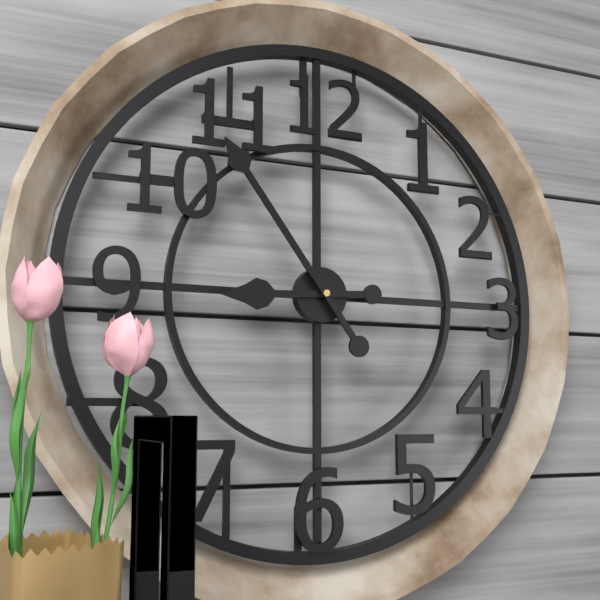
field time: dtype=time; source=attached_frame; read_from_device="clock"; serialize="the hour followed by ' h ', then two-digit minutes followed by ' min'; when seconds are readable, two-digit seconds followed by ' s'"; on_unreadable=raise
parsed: 8 h 54 min
